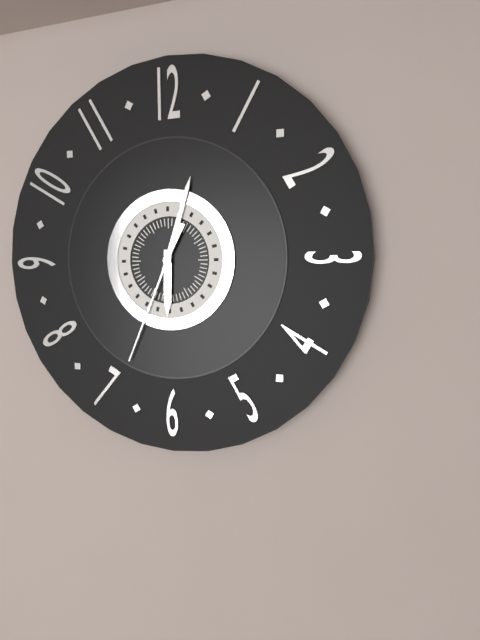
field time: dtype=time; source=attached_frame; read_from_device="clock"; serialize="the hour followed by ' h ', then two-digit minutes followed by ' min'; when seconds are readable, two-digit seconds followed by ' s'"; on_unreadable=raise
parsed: 6 h 03 min 34 s
